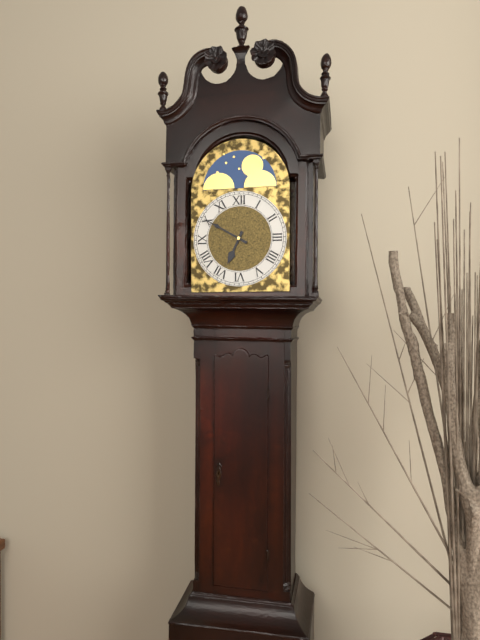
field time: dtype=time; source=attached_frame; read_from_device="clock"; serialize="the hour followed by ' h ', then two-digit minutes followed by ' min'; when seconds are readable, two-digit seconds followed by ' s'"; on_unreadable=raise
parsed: 6 h 50 min
